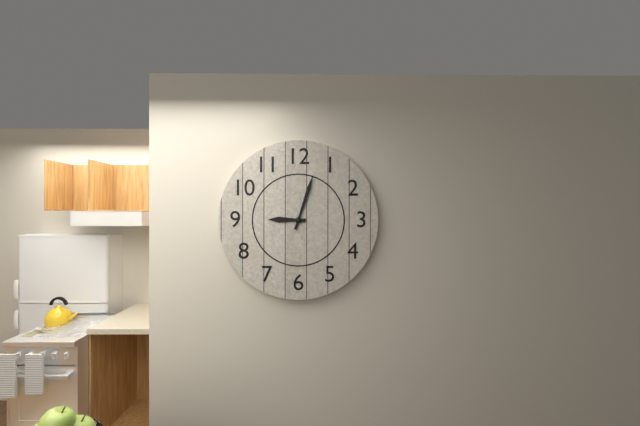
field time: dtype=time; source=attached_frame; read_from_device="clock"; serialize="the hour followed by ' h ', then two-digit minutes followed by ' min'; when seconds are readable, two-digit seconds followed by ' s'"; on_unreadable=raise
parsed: 9 h 03 min
